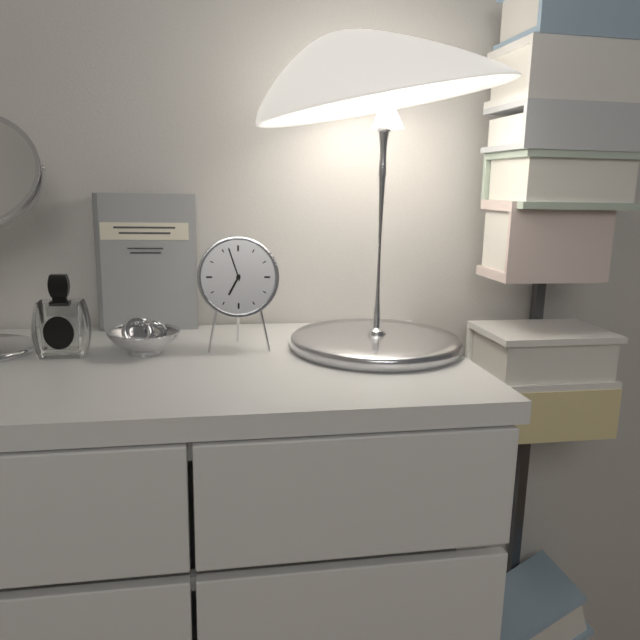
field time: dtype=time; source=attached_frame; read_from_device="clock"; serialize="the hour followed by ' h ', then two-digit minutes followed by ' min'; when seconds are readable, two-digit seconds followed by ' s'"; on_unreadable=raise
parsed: 6 h 57 min
